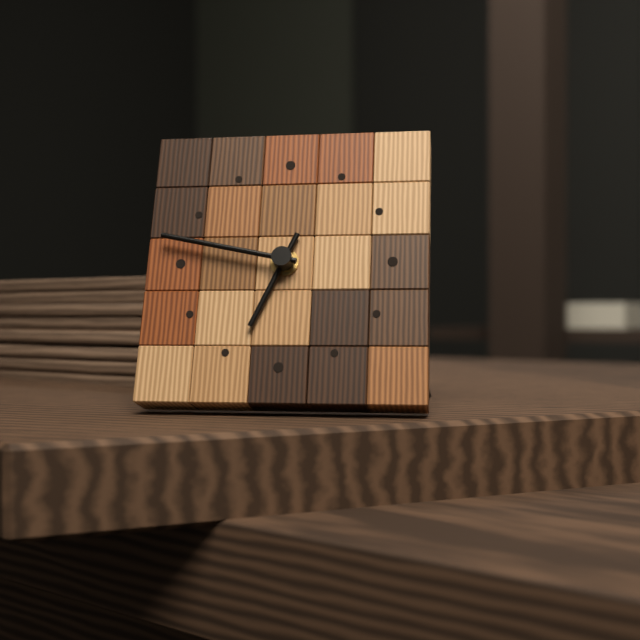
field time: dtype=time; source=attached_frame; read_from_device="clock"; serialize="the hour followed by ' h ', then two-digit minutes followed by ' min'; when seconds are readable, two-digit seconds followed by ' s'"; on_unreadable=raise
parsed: 6 h 47 min
